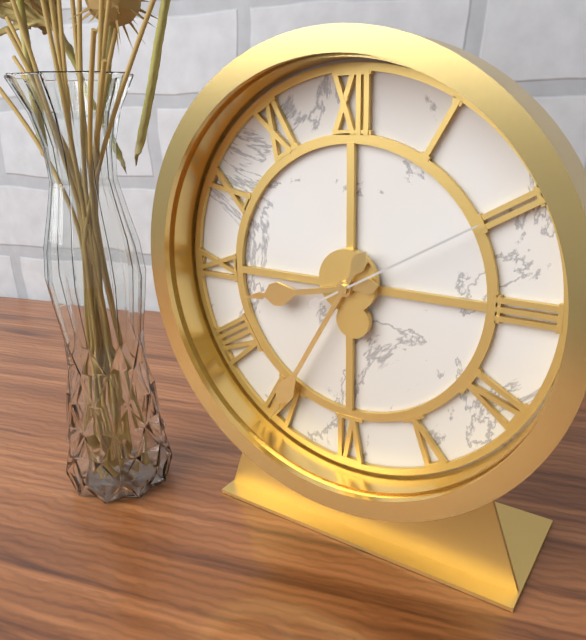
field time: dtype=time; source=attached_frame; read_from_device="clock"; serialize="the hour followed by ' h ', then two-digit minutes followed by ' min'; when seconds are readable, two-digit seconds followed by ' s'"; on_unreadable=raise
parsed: 8 h 35 min 10 s
